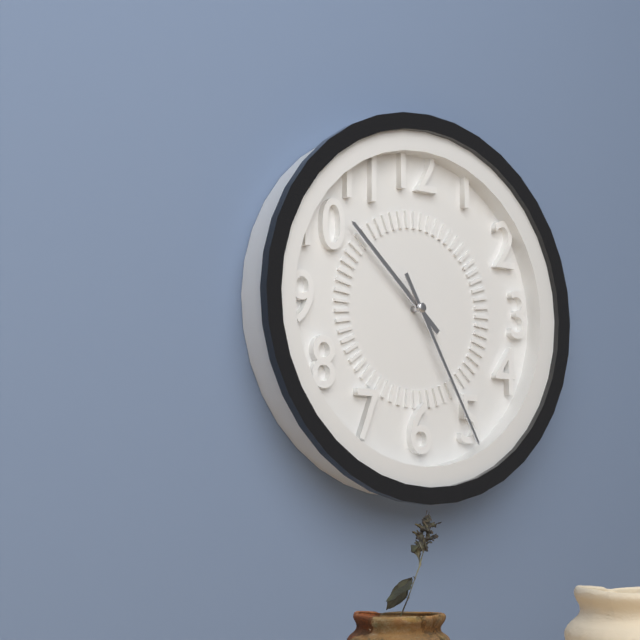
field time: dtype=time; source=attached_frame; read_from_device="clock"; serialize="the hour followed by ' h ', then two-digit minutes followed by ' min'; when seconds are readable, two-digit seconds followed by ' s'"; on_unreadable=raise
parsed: 10 h 25 min
